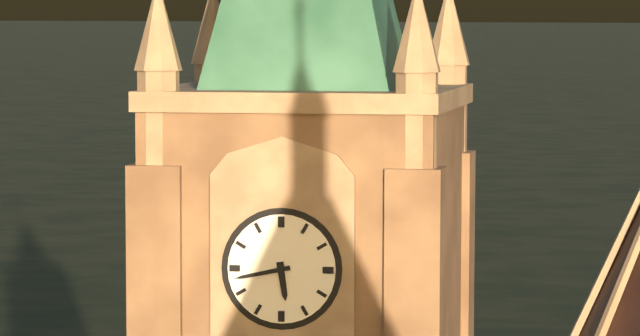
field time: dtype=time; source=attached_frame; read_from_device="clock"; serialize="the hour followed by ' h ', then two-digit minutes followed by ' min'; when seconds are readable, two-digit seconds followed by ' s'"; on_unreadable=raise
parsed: 5 h 43 min
